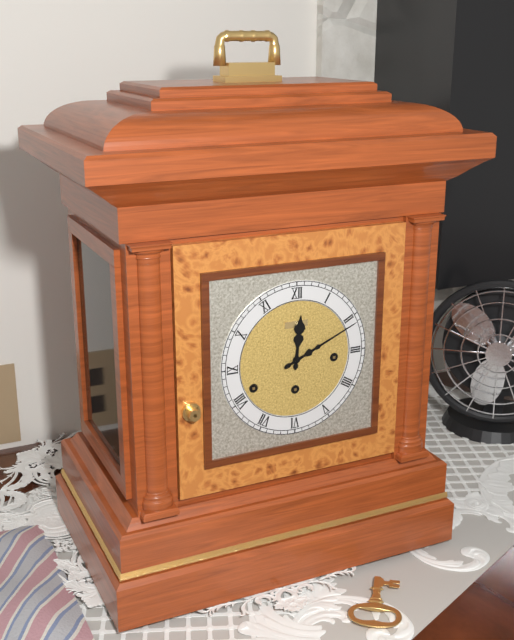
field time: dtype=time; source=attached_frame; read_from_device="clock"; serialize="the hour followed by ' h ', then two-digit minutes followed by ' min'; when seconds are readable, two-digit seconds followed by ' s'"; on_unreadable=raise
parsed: 12 h 11 min
